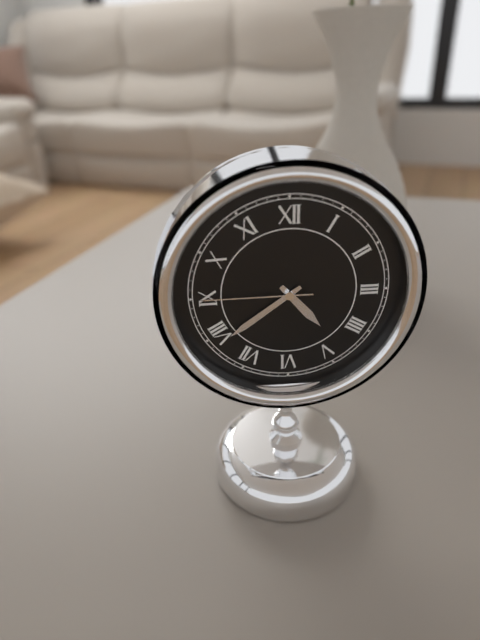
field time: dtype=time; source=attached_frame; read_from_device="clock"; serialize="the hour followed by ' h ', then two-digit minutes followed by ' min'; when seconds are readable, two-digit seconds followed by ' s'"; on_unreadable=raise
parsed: 4 h 39 min 45 s
